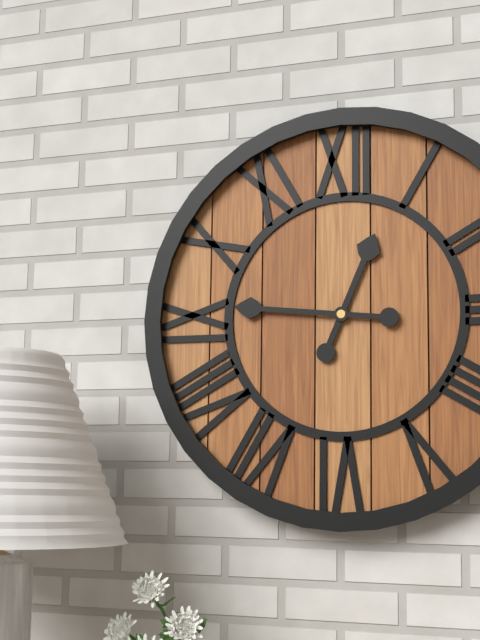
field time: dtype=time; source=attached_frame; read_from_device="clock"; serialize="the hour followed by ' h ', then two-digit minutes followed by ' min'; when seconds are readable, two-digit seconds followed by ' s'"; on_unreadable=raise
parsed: 12 h 46 min
